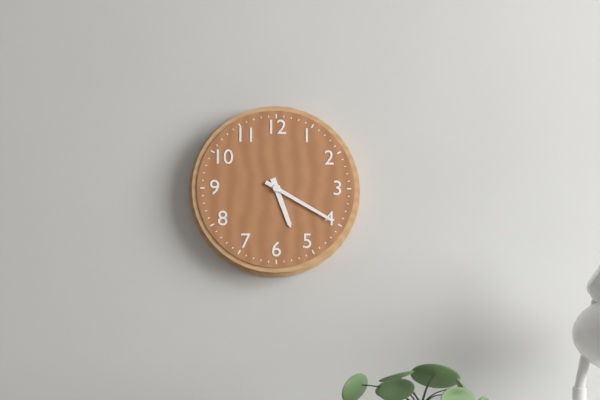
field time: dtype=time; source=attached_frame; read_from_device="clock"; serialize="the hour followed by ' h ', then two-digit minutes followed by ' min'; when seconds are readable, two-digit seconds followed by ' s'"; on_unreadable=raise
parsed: 5 h 20 min
